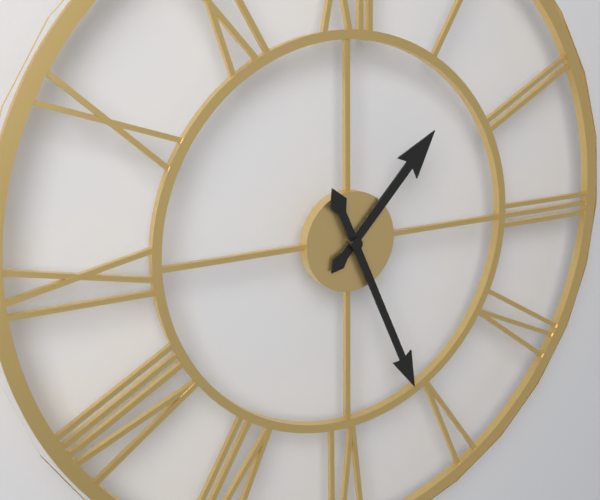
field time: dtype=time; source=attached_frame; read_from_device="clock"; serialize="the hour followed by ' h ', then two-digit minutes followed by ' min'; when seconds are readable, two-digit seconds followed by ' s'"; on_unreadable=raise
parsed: 1 h 26 min
